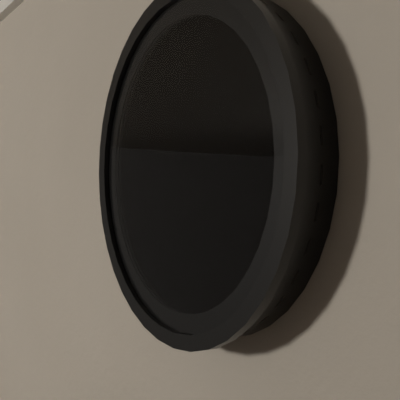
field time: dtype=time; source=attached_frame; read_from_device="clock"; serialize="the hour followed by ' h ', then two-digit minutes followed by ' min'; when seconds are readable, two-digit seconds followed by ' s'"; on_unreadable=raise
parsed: 6 h 37 min
